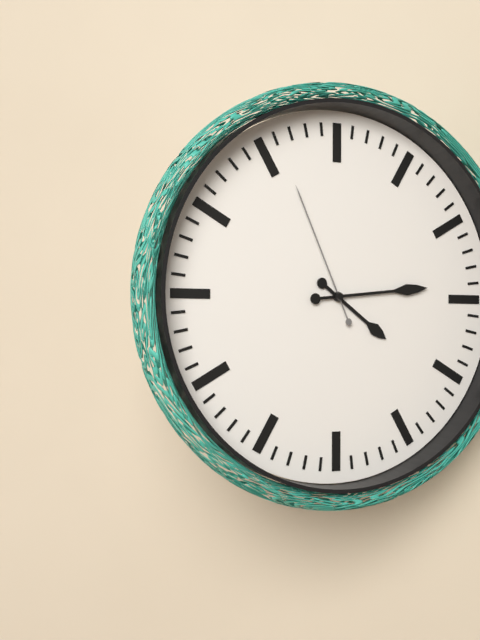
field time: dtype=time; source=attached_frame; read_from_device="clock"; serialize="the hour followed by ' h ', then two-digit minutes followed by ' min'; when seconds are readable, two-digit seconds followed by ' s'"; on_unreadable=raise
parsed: 4 h 14 min 56 s
